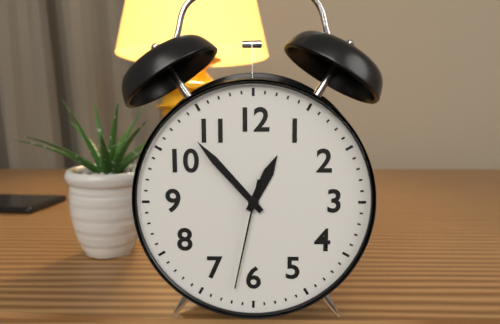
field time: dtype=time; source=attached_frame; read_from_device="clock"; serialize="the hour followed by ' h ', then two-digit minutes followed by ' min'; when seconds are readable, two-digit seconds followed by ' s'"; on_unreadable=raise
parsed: 12 h 53 min 32 s
